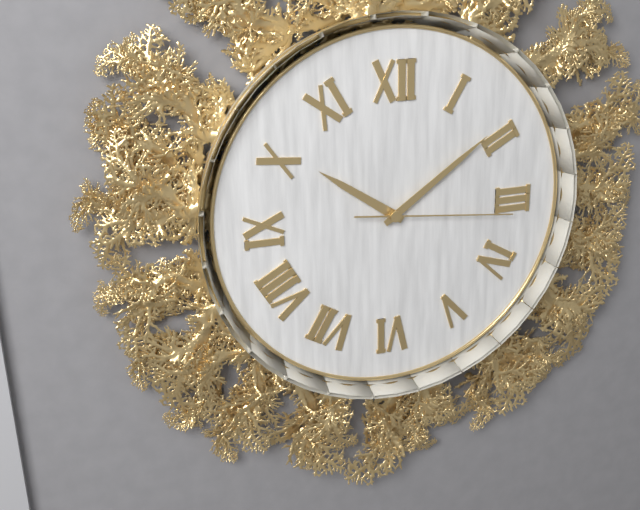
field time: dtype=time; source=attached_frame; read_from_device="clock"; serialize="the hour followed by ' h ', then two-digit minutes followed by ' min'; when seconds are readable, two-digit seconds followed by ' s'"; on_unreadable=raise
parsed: 10 h 09 min 16 s
